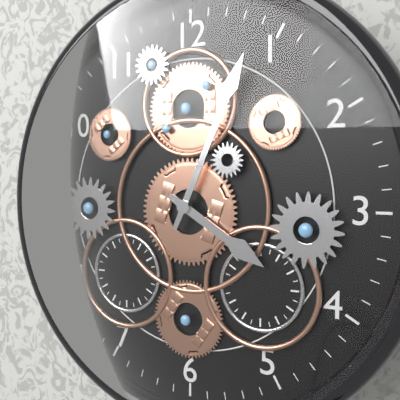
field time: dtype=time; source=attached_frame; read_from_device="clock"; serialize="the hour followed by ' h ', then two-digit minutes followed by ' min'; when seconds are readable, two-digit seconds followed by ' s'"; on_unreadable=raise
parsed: 4 h 04 min
